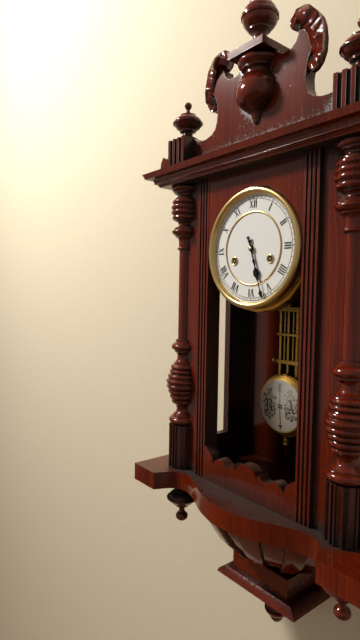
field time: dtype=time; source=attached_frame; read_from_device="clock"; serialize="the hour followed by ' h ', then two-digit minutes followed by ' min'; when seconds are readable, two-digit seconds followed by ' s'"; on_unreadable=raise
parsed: 5 h 27 min
